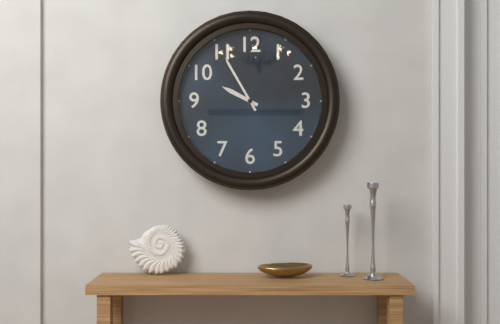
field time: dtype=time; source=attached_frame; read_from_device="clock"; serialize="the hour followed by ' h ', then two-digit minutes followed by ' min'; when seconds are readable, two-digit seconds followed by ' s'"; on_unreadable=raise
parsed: 9 h 55 min
